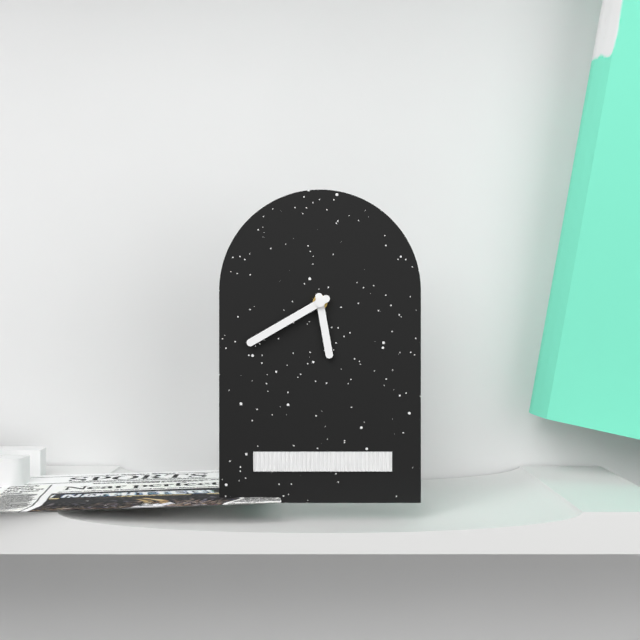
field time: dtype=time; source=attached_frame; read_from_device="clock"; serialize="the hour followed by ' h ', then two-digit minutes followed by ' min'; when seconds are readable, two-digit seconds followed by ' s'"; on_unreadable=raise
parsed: 5 h 40 min
